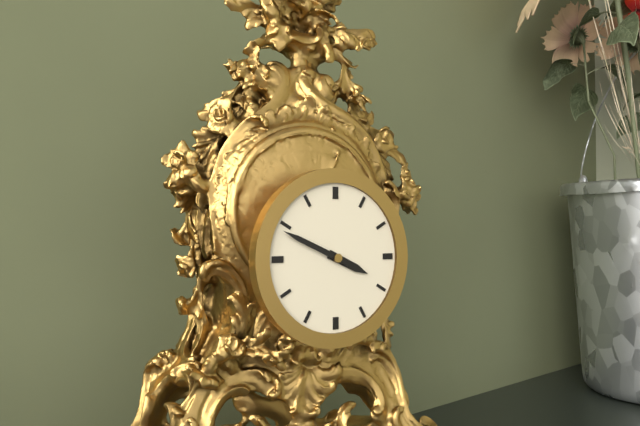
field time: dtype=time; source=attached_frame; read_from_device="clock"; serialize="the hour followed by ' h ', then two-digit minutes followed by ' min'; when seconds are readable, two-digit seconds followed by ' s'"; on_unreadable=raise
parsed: 3 h 49 min
